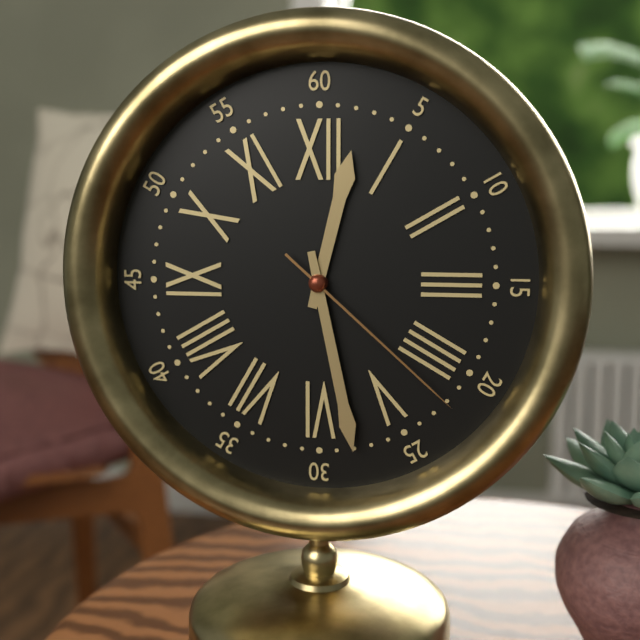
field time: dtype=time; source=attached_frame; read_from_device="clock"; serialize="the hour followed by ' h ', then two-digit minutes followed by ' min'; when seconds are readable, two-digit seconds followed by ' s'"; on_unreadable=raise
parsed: 12 h 28 min 22 s
